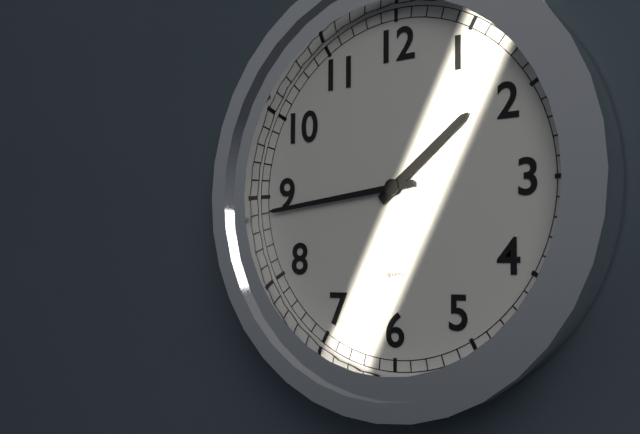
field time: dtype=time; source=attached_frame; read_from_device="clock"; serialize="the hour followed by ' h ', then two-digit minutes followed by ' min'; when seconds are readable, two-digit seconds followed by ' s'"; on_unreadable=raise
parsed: 1 h 44 min
